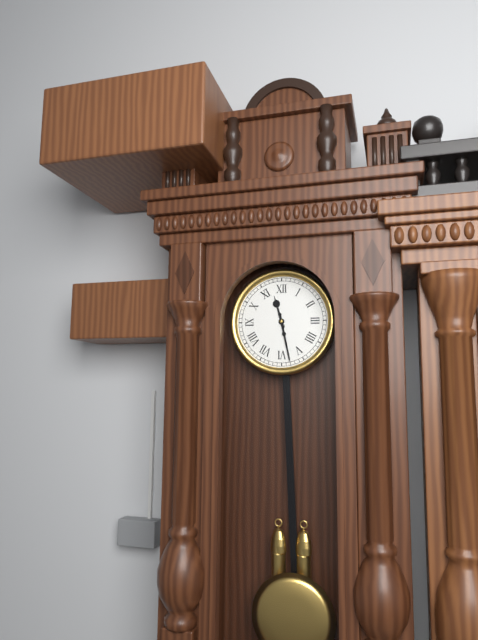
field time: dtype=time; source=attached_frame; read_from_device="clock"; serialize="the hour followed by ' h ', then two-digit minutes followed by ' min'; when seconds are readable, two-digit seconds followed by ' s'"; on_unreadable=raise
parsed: 11 h 28 min
